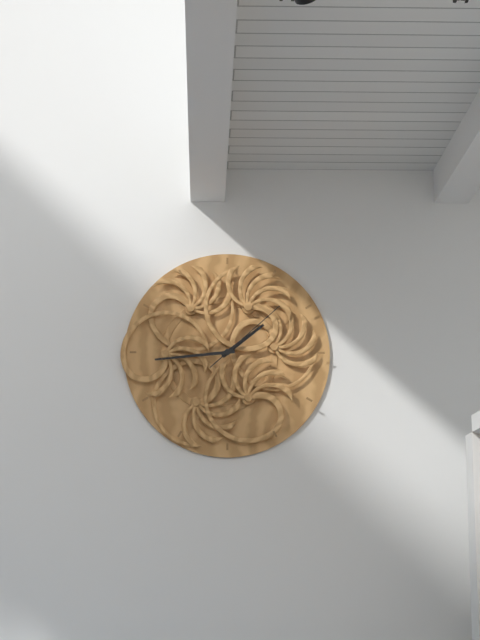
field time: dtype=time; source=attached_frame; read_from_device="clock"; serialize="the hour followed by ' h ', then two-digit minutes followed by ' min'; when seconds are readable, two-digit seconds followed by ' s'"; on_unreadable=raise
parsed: 1 h 44 min 08 s
